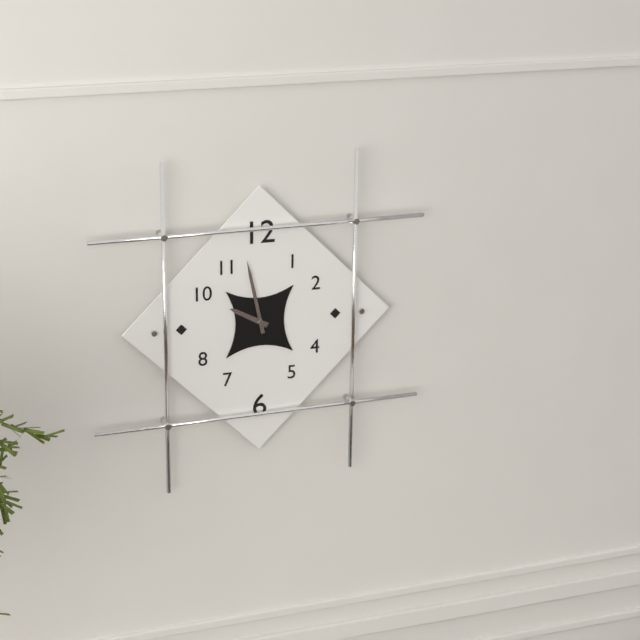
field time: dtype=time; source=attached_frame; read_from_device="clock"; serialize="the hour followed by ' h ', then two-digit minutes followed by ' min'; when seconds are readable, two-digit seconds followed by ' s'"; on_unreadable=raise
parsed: 9 h 58 min
